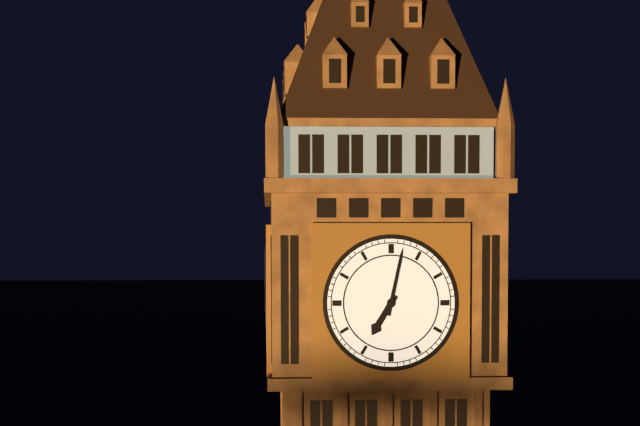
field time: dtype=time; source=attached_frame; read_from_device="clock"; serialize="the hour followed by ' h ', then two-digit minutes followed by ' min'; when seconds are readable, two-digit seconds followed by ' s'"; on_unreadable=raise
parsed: 7 h 02 min
